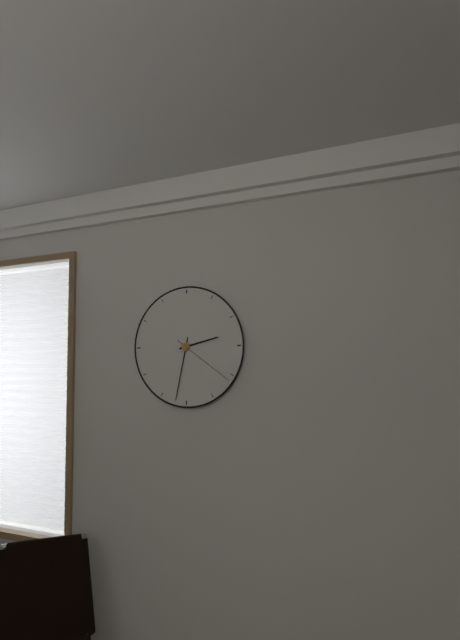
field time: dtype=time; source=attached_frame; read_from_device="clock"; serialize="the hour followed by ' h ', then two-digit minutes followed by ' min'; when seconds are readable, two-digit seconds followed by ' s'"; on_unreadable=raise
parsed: 2 h 32 min 21 s
